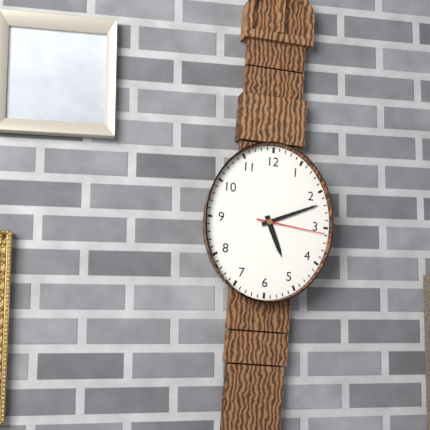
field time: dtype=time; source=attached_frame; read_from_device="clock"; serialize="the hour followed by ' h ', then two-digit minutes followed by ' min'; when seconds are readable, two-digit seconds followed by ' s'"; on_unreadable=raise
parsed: 5 h 11 min 16 s
